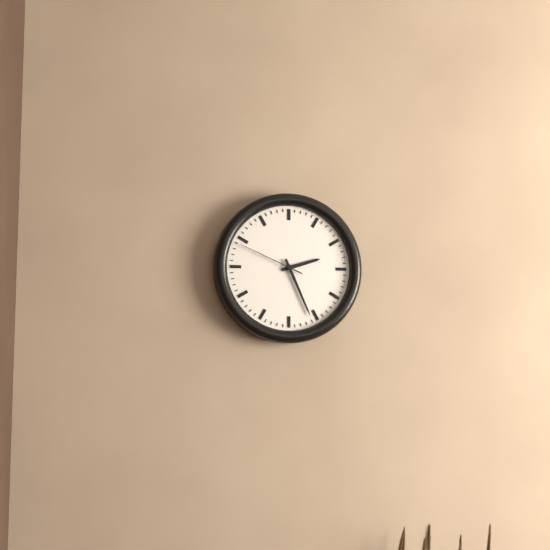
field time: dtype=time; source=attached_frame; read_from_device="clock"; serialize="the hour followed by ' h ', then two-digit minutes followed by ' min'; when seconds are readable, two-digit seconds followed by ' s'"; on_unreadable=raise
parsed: 2 h 26 min 49 s
